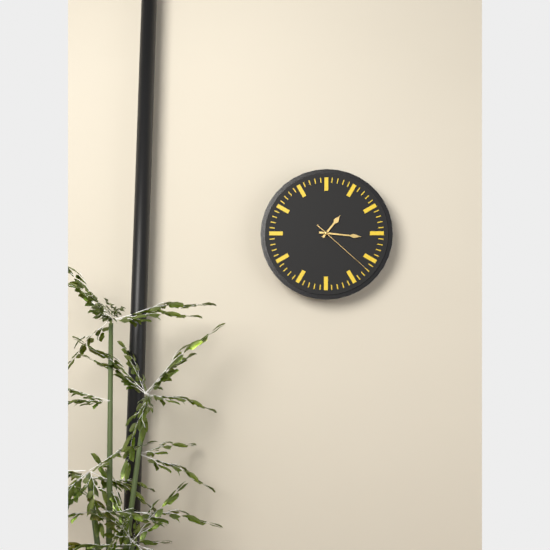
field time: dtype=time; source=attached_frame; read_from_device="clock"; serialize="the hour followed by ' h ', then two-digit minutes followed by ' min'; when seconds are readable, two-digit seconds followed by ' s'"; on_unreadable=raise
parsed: 1 h 16 min 22 s
